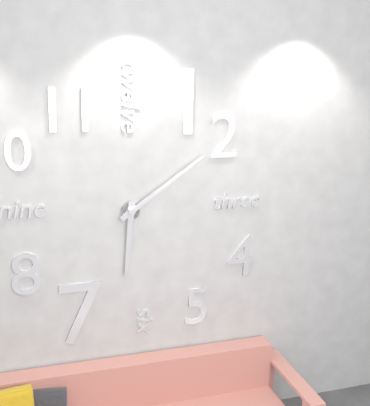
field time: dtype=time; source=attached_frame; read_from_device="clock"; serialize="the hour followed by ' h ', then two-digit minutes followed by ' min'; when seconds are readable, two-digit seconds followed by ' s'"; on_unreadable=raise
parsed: 6 h 09 min
